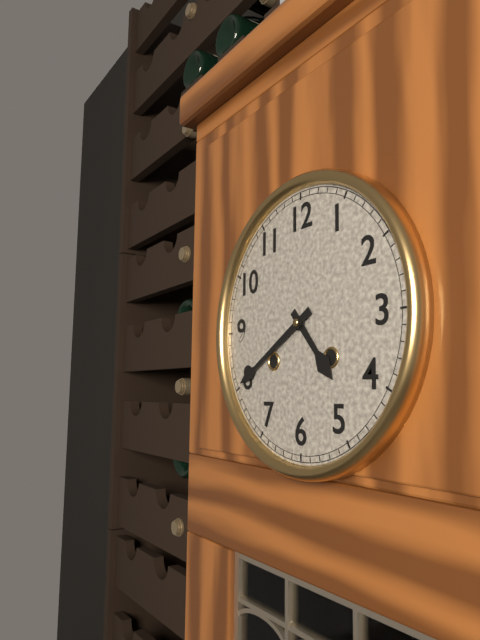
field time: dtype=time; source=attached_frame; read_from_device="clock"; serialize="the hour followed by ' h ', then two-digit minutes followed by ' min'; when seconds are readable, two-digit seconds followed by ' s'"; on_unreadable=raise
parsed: 4 h 40 min
